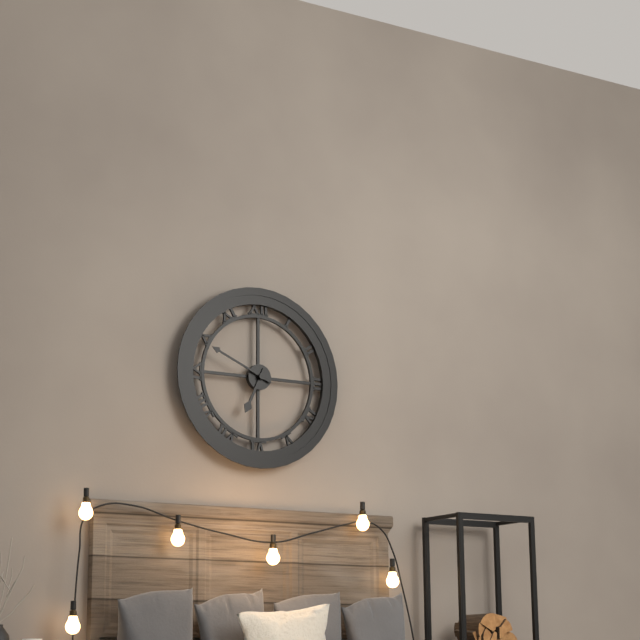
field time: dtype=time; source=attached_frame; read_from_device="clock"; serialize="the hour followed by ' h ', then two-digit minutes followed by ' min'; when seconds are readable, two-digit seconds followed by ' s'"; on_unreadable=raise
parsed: 6 h 49 min
